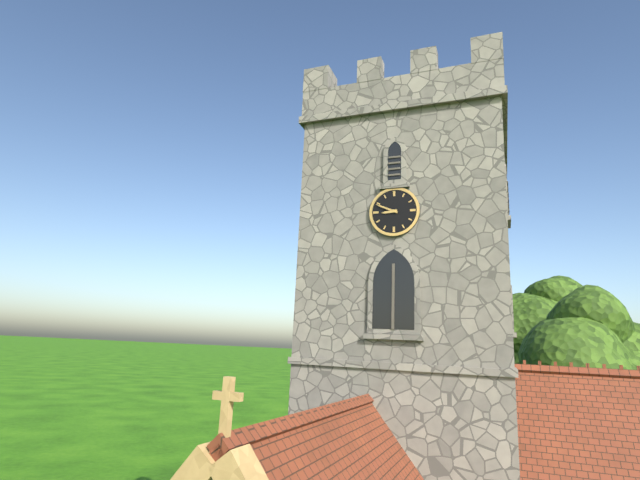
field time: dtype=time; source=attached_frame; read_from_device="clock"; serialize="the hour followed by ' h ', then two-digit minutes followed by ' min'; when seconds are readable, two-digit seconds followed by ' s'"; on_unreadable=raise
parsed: 8 h 49 min
